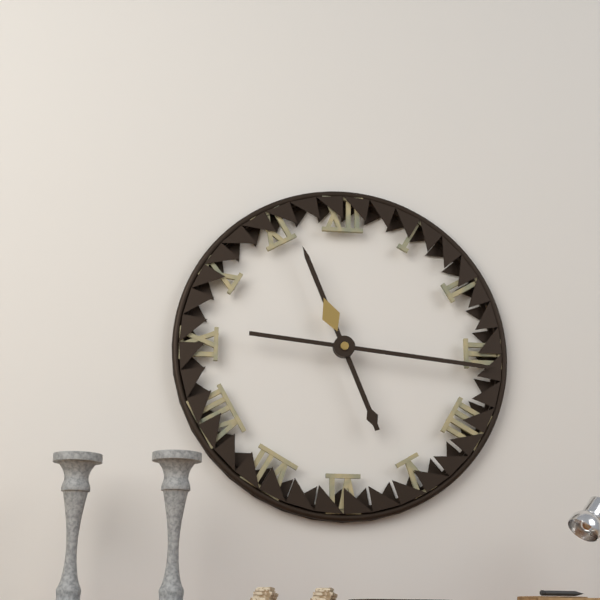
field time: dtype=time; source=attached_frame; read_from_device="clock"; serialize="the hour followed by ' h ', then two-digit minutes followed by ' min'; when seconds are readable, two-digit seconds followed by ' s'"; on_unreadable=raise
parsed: 11 h 16 min
